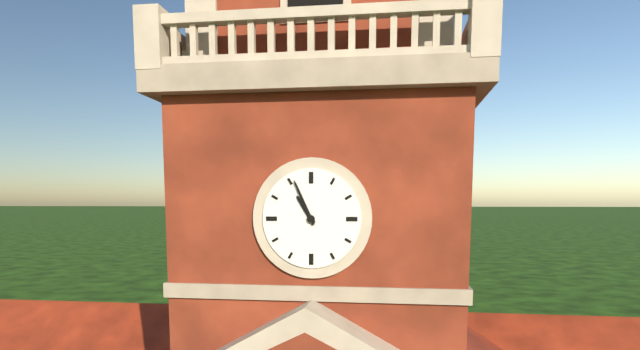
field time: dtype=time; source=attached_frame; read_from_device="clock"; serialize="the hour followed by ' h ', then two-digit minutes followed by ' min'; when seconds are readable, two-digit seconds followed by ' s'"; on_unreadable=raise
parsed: 10 h 56 min
